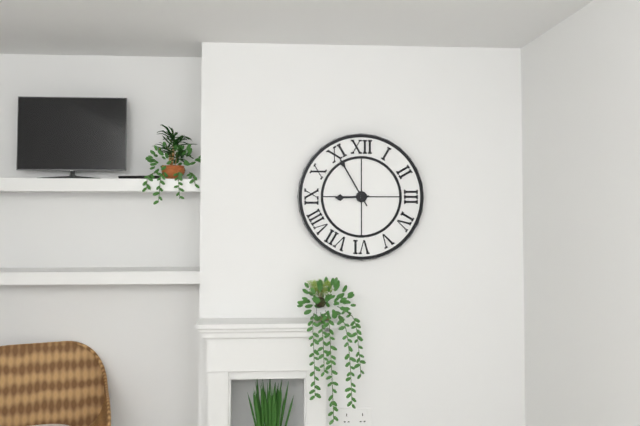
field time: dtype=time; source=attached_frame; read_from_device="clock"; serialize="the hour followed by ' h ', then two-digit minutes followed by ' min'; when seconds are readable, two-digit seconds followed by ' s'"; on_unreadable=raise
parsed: 8 h 55 min
